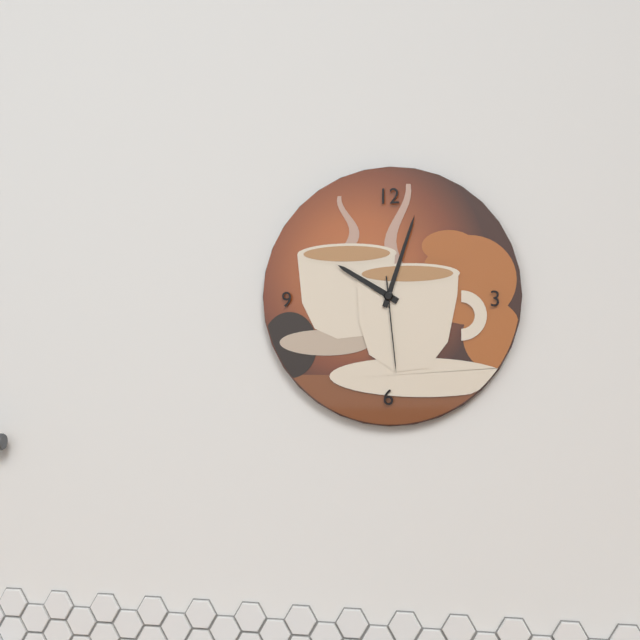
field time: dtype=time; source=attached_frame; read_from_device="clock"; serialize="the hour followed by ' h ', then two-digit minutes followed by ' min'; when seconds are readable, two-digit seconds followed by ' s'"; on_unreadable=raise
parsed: 10 h 03 min 29 s
